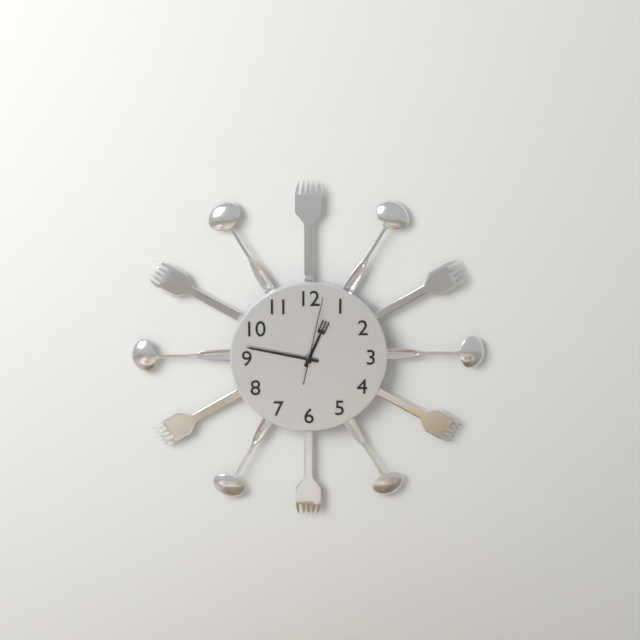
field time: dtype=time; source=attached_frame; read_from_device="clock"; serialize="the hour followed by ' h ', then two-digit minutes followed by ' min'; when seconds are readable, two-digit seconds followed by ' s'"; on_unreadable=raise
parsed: 12 h 47 min 02 s
